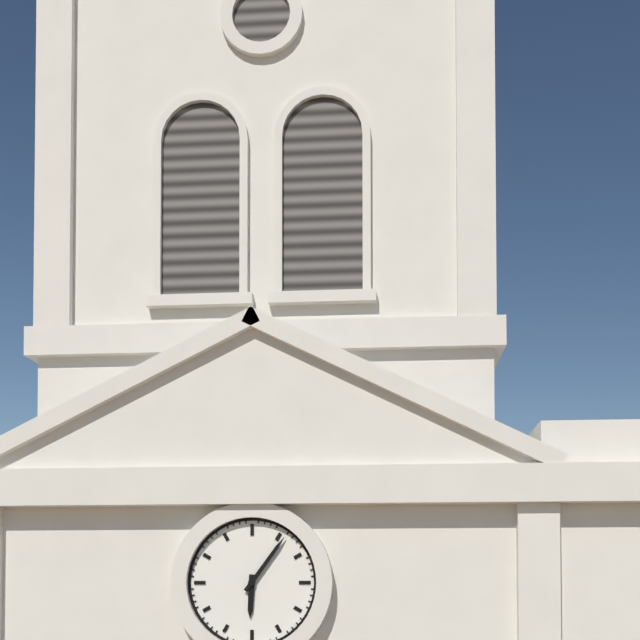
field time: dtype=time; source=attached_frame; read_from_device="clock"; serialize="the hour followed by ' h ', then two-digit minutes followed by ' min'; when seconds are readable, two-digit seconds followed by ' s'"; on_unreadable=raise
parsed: 6 h 06 min
